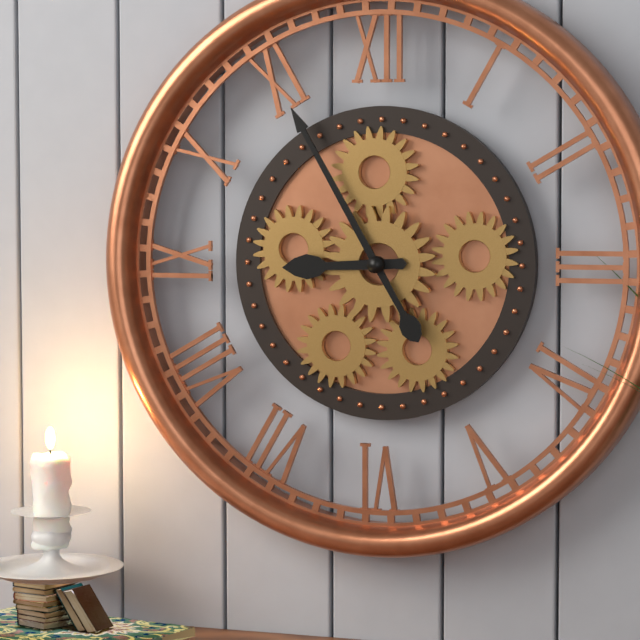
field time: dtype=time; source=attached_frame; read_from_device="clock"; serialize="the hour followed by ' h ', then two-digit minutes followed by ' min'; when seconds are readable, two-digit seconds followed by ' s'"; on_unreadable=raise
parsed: 8 h 55 min
